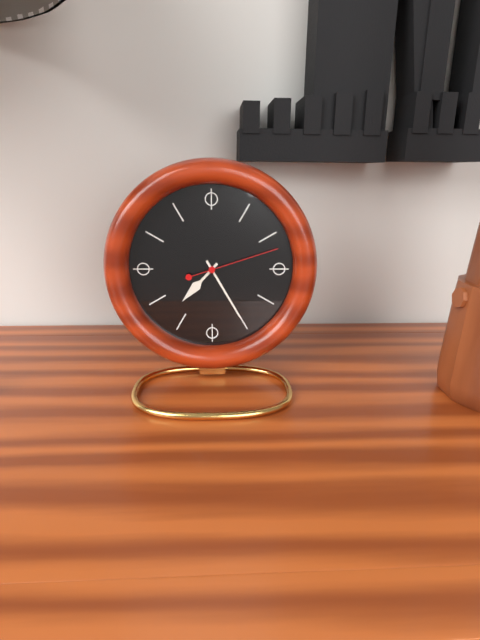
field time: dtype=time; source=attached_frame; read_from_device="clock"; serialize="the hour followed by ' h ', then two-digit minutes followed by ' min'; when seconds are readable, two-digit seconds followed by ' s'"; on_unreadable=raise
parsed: 7 h 25 min 12 s
